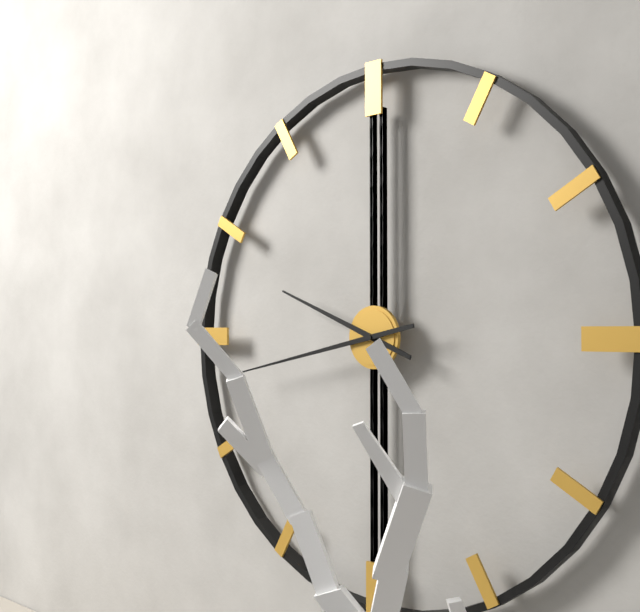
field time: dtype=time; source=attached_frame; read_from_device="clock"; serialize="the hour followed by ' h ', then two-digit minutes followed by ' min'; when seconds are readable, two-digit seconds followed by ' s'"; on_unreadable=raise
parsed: 9 h 43 min
